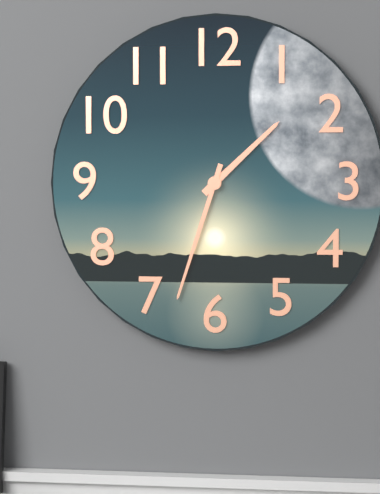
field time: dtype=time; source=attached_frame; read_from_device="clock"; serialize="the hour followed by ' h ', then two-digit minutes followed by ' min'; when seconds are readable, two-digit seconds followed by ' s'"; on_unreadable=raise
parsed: 1 h 33 min
